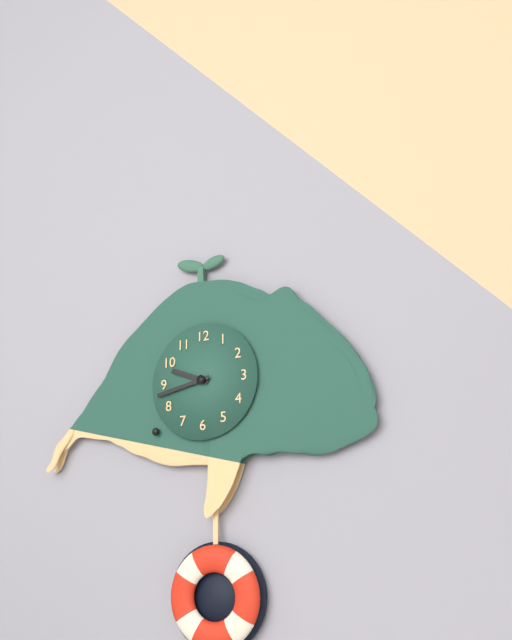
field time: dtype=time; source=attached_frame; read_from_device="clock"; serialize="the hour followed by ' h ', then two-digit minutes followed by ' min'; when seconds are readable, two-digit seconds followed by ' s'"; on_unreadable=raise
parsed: 9 h 43 min
